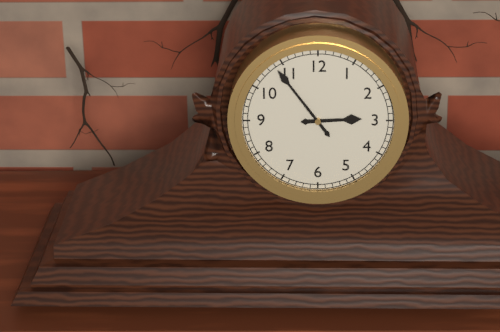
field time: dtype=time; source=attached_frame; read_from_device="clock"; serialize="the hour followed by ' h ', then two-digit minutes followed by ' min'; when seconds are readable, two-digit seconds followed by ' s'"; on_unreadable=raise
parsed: 2 h 54 min
